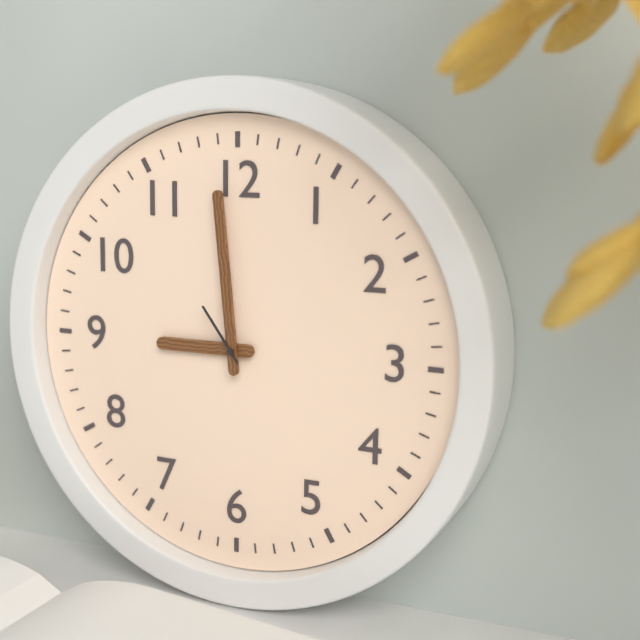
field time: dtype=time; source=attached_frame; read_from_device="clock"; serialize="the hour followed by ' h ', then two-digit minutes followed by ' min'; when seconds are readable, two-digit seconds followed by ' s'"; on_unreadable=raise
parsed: 8 h 59 min 54 s
